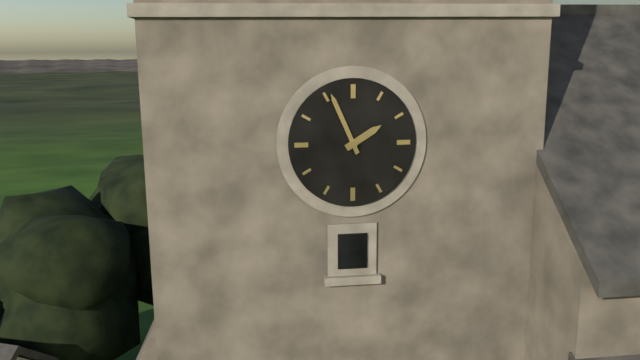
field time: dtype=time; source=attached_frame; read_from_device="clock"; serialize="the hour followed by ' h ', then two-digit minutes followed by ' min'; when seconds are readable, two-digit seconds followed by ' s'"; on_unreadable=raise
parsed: 1 h 56 min
